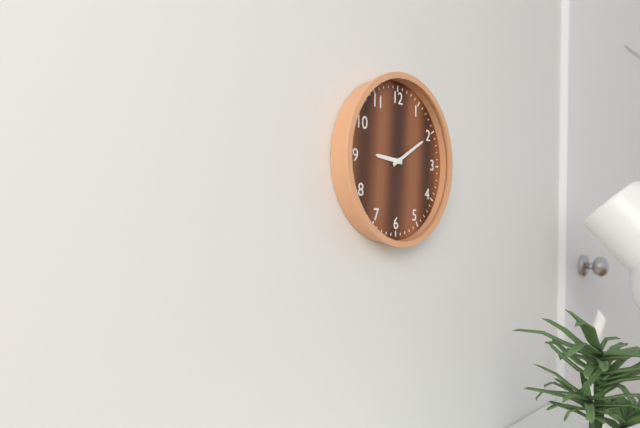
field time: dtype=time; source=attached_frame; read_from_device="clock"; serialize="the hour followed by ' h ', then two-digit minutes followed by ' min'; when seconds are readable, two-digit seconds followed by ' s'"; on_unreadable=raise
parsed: 9 h 10 min
